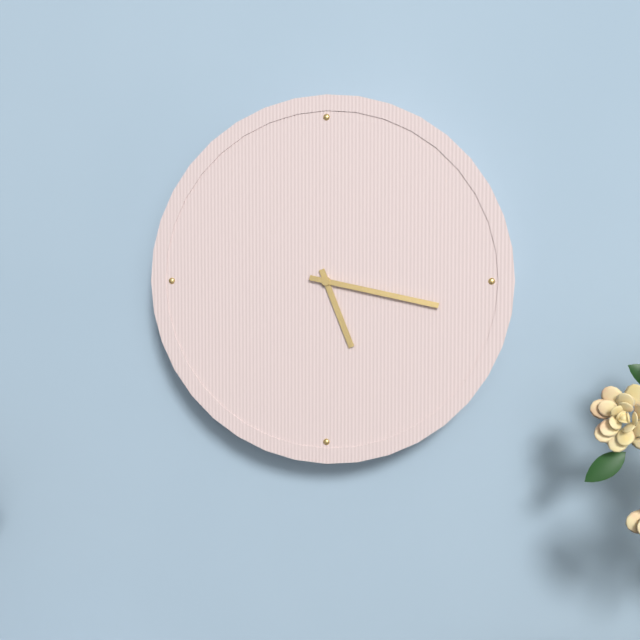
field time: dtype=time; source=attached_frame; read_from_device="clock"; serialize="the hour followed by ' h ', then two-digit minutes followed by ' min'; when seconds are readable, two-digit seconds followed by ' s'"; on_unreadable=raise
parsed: 5 h 17 min
